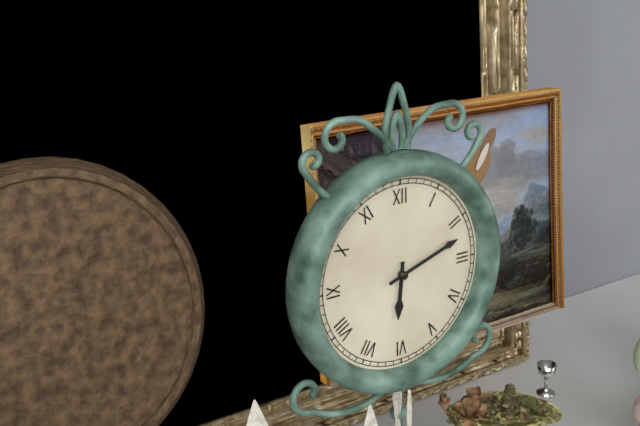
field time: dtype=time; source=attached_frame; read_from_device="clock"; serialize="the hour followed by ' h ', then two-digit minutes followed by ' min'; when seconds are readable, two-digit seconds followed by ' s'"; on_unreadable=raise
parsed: 6 h 12 min
